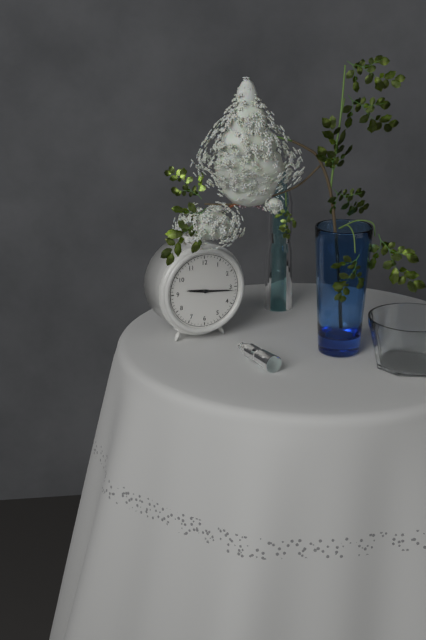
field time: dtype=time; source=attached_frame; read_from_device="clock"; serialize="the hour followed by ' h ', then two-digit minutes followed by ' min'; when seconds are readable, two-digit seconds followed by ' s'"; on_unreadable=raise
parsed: 9 h 16 min
